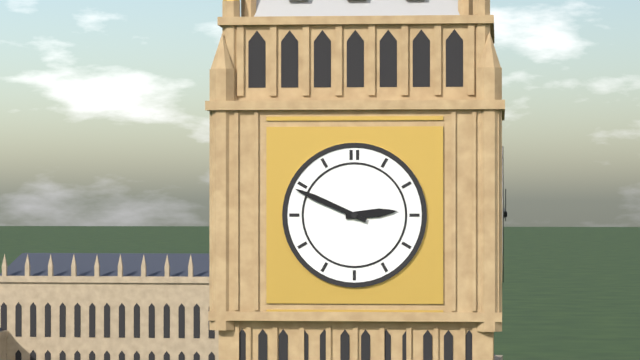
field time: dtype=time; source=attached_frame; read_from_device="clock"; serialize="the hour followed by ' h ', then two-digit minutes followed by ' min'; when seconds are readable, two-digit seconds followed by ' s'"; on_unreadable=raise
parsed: 2 h 49 min
